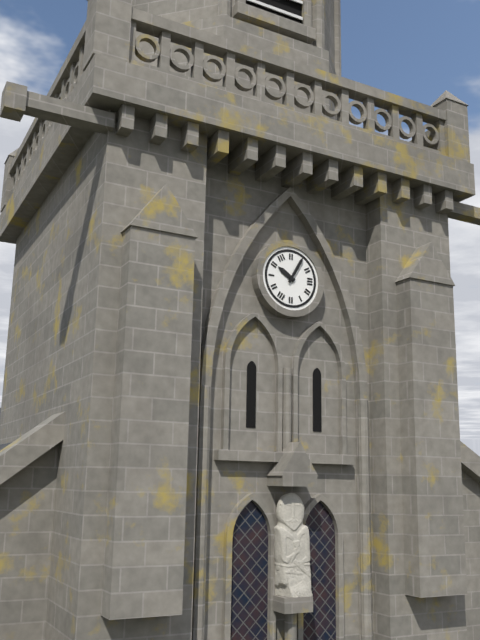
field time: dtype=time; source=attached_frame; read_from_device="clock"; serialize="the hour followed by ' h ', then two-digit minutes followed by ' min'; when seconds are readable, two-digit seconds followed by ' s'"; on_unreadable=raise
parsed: 10 h 05 min
